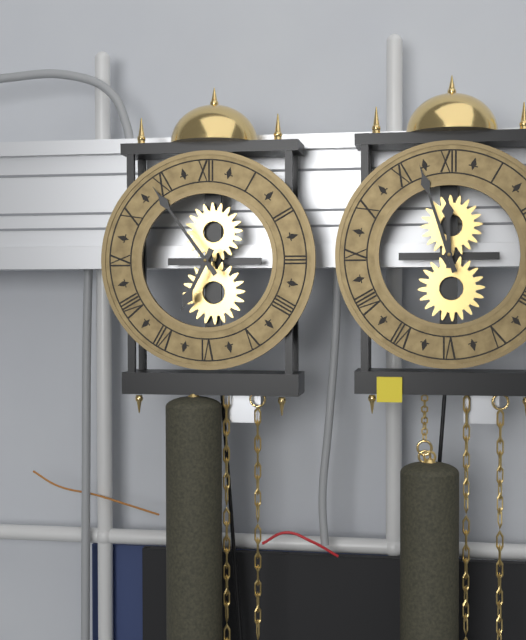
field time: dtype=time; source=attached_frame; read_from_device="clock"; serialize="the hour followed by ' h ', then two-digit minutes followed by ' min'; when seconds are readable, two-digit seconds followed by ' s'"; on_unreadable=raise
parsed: 6 h 54 min
